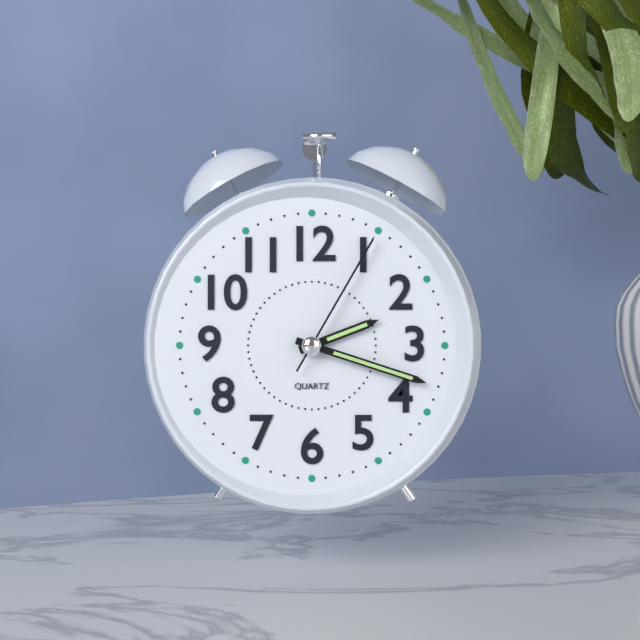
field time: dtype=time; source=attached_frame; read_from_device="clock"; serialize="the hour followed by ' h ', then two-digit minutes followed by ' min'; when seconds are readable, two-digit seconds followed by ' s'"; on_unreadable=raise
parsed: 2 h 18 min 05 s
